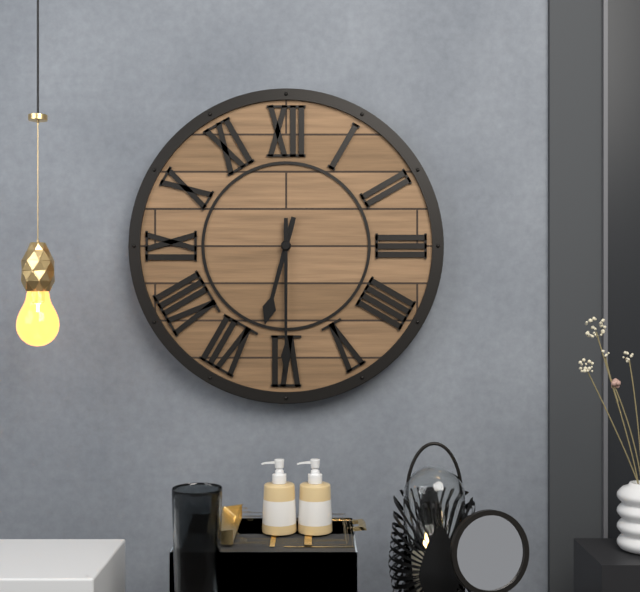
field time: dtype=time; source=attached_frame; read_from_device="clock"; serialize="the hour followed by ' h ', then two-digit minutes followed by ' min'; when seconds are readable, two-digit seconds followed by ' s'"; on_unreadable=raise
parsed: 6 h 30 min
